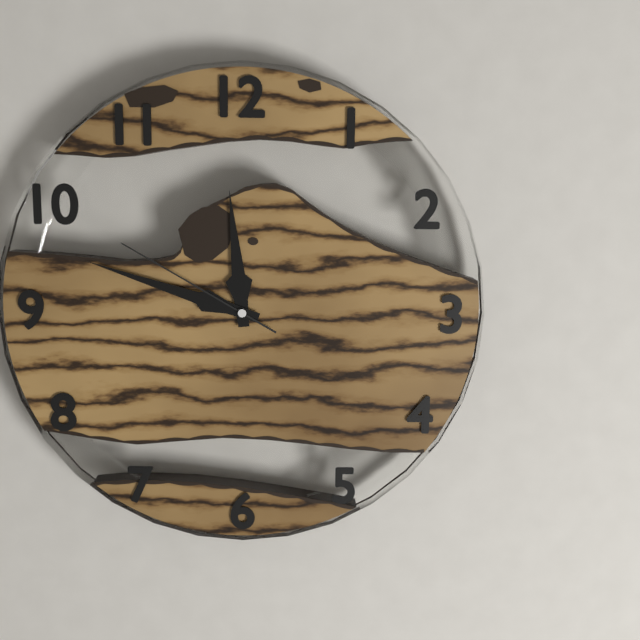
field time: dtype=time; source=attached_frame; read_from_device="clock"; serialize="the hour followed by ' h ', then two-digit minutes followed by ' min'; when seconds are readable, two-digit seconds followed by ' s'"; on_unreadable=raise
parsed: 11 h 48 min 50 s
